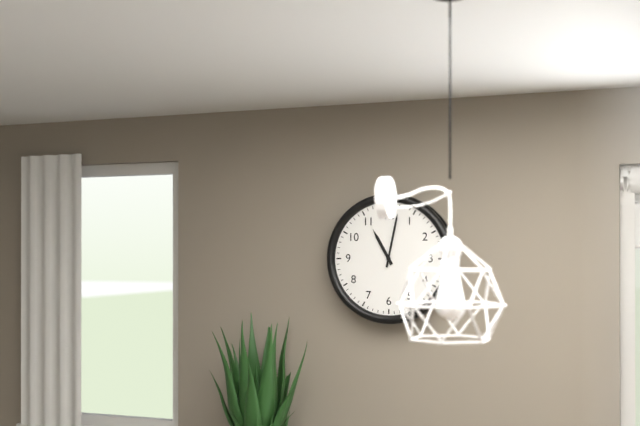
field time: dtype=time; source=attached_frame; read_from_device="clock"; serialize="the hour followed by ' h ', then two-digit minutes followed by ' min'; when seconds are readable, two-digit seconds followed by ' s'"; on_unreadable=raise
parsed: 11 h 02 min
